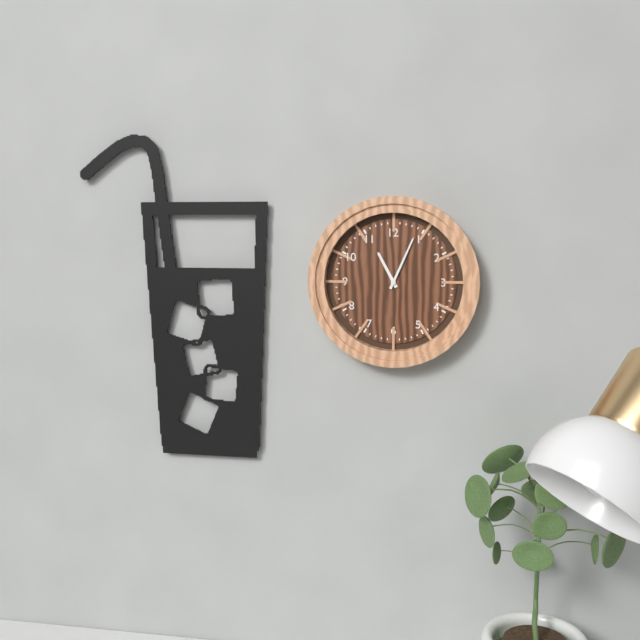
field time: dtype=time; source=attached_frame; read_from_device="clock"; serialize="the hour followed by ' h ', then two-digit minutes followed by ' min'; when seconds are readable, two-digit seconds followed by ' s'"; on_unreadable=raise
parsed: 11 h 04 min
